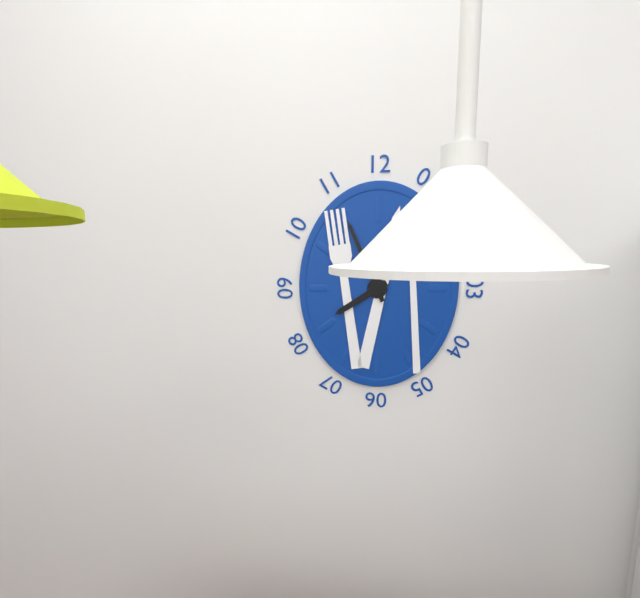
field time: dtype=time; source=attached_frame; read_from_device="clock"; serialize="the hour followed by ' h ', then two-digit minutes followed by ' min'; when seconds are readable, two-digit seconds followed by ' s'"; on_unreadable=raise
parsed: 7 h 56 min
